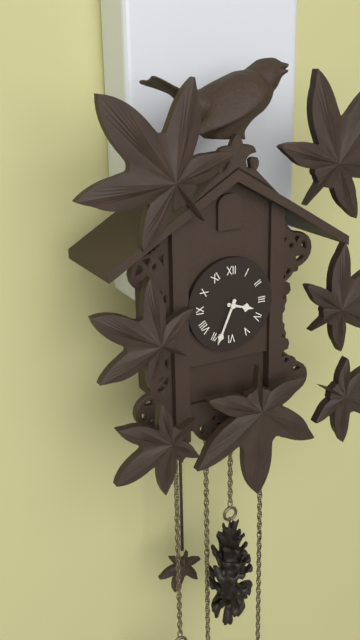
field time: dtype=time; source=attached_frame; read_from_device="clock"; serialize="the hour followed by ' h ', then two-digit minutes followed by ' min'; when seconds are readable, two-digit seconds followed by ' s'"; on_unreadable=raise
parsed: 3 h 34 min
